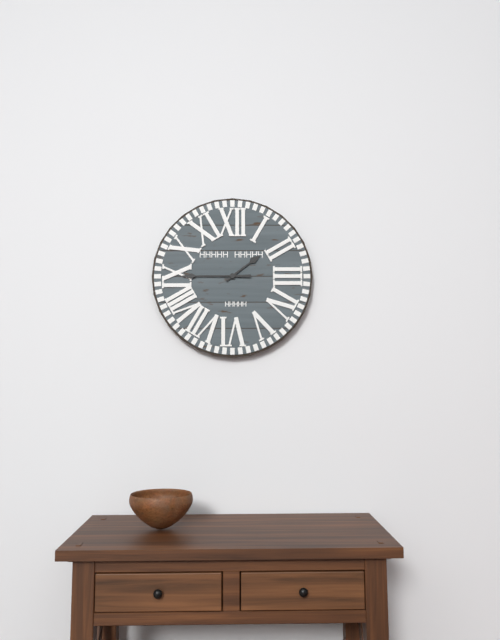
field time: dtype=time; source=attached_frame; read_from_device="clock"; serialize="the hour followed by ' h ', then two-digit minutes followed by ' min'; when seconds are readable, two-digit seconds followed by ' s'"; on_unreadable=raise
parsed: 1 h 45 min
